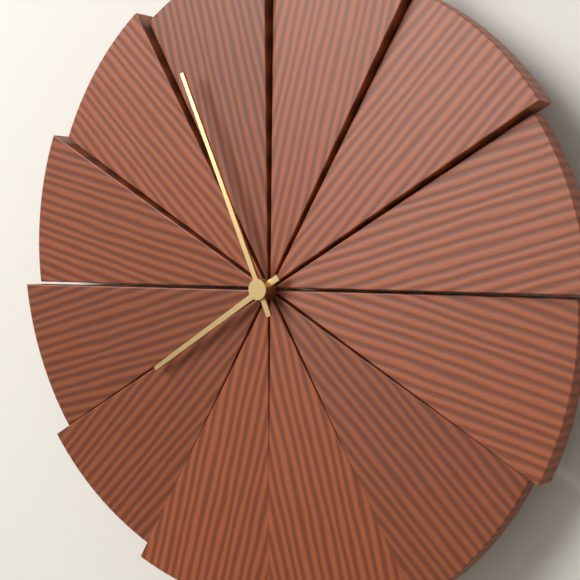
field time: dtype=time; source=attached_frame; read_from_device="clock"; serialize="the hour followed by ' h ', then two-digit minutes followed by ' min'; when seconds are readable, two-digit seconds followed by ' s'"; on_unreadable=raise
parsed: 7 h 56 min
